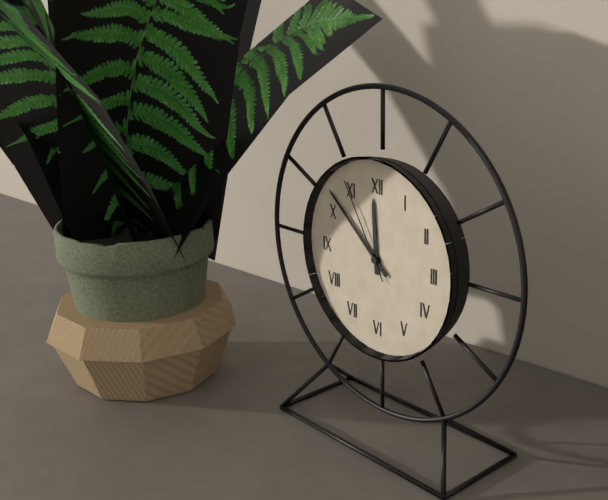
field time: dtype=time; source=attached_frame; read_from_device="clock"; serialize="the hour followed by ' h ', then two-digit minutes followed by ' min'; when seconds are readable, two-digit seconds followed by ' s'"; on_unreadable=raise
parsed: 11 h 52 min 55 s
